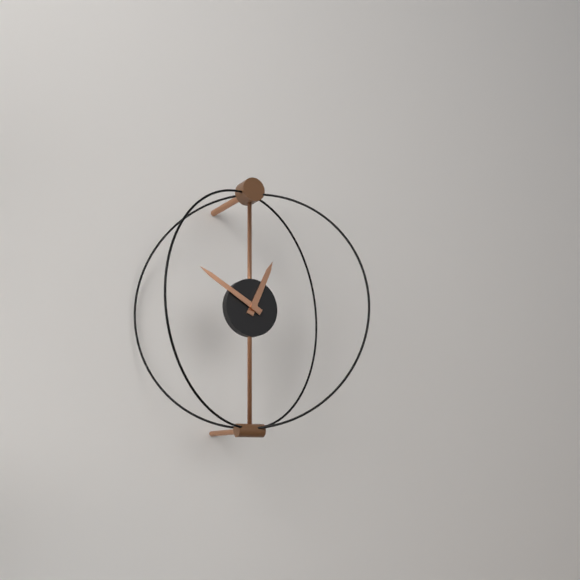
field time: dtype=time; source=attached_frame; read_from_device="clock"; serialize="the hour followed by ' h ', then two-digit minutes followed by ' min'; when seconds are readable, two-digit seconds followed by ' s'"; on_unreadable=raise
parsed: 12 h 50 min
